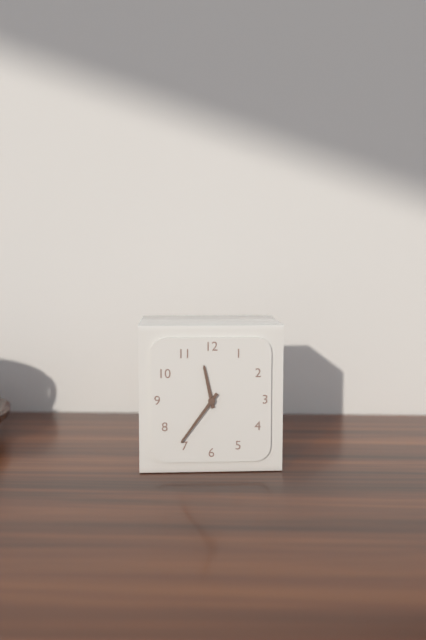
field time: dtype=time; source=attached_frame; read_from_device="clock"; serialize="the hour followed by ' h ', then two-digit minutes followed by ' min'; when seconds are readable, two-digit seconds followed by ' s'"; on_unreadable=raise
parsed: 11 h 36 min
